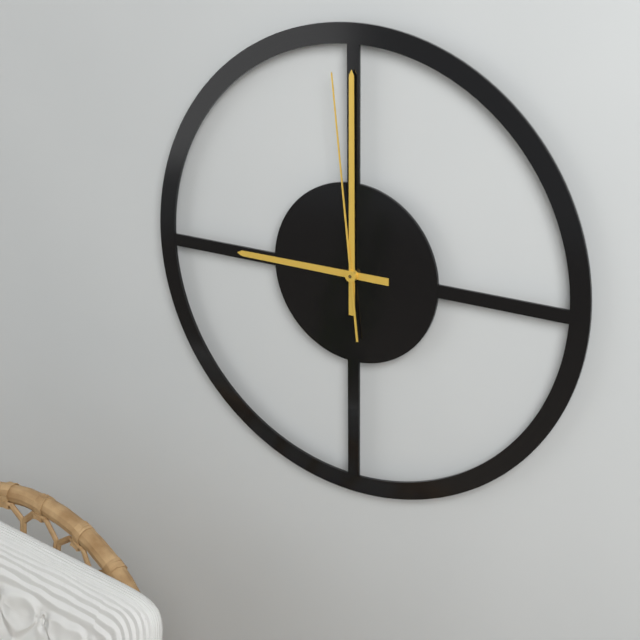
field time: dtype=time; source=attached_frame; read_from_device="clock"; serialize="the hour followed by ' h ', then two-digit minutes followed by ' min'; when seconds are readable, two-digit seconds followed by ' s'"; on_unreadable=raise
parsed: 9 h 00 min 59 s
